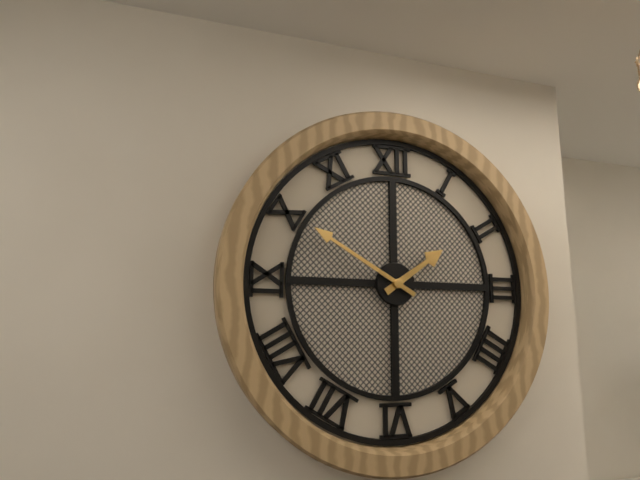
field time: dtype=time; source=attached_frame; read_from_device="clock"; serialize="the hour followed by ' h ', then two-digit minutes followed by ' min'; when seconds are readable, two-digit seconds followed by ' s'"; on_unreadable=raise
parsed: 1 h 50 min
